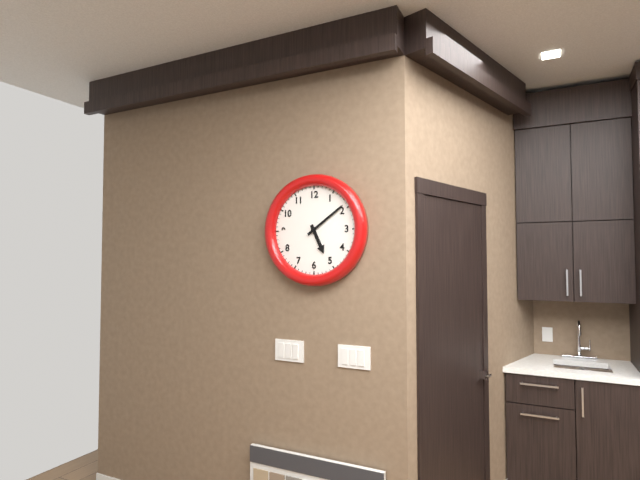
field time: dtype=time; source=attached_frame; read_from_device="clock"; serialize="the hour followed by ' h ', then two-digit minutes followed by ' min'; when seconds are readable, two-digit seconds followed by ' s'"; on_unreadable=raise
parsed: 5 h 09 min
